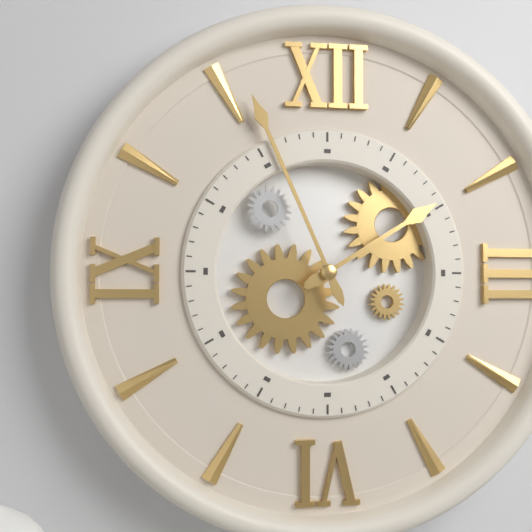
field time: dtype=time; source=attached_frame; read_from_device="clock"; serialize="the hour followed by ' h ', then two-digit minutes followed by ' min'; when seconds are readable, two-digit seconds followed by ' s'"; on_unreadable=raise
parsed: 1 h 56 min
